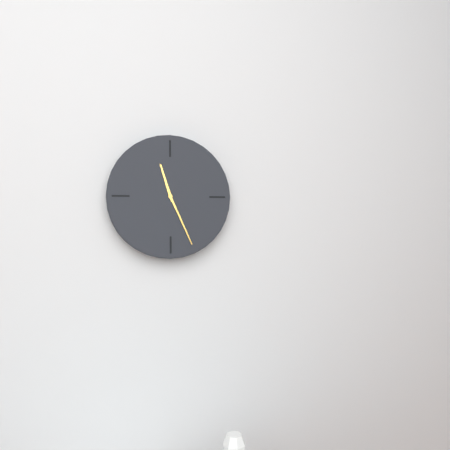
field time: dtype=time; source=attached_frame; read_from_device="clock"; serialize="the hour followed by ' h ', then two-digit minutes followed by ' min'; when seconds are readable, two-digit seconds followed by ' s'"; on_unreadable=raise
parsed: 11 h 26 min
